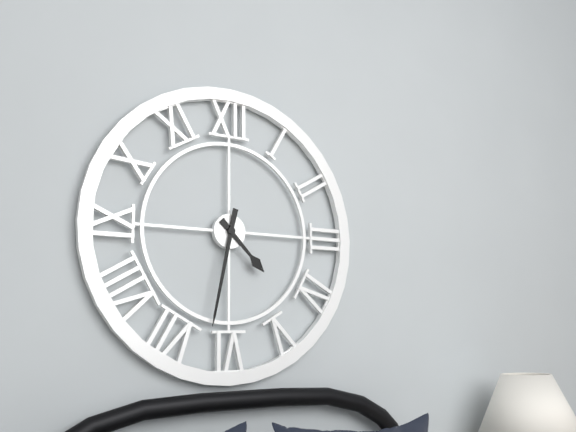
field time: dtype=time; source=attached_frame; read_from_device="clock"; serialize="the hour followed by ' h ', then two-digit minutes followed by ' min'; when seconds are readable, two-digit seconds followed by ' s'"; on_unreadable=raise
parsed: 4 h 32 min
